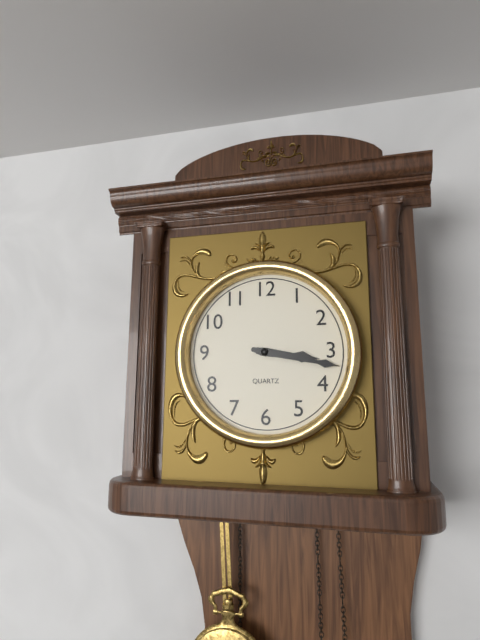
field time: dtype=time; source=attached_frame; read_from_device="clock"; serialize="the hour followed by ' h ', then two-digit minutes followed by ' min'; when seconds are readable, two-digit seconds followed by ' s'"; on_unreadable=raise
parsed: 3 h 17 min
